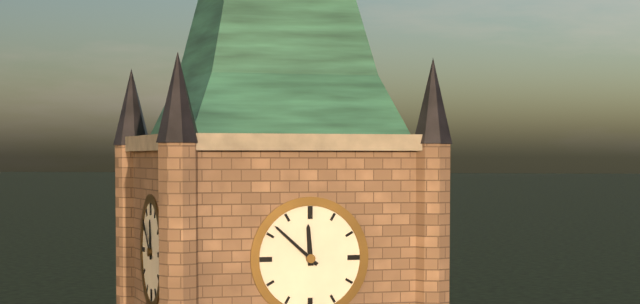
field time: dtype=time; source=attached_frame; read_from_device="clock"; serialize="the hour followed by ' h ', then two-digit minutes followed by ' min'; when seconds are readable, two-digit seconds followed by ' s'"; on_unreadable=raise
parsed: 11 h 52 min
